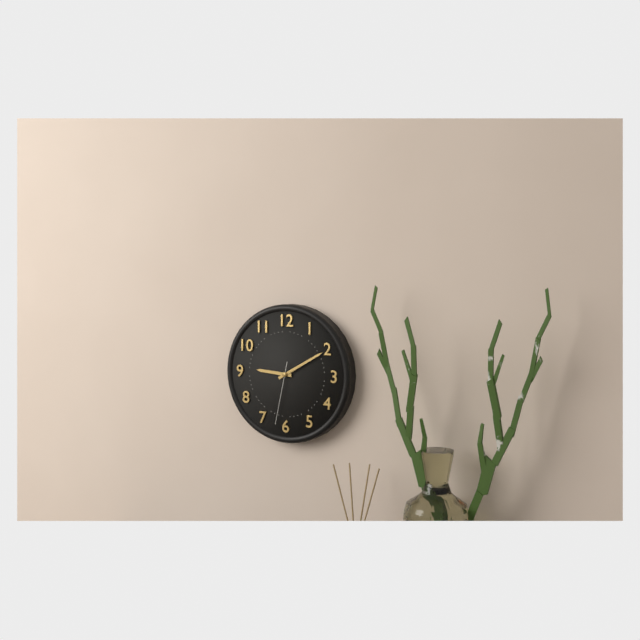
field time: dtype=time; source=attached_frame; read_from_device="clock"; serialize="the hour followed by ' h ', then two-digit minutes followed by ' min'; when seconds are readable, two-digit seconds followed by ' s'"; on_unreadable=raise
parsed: 9 h 10 min 32 s
